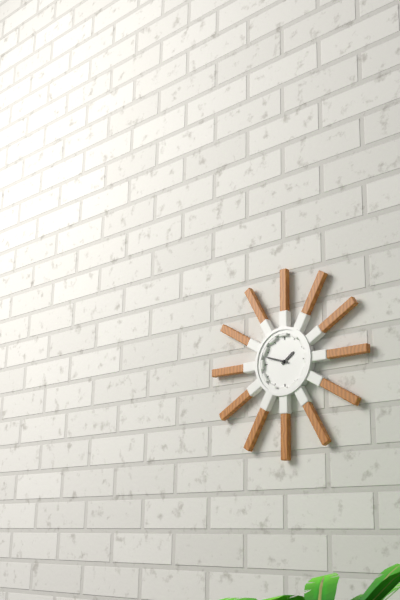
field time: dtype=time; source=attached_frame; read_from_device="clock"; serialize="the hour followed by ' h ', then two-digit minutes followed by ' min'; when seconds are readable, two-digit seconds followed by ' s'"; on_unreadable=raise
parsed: 1 h 48 min
